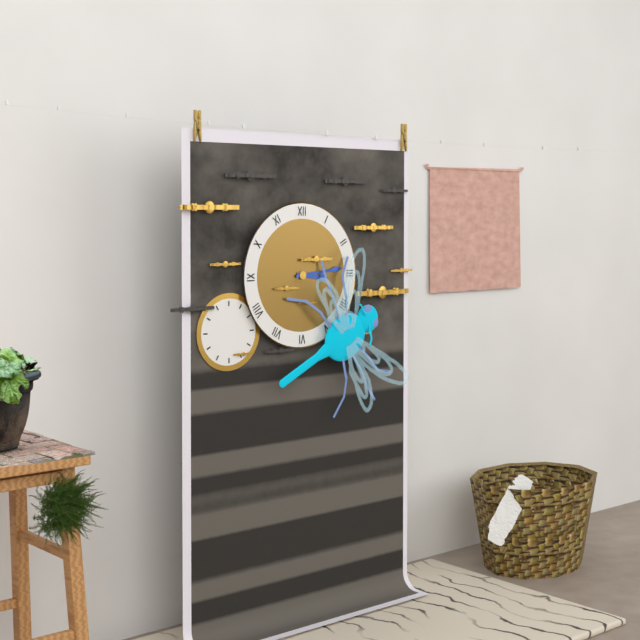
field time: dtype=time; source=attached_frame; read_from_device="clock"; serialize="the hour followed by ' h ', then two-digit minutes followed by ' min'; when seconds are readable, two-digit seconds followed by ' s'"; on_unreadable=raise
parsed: 3 h 14 min
